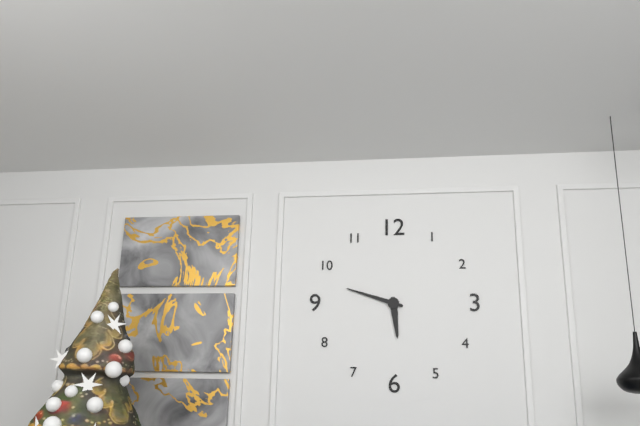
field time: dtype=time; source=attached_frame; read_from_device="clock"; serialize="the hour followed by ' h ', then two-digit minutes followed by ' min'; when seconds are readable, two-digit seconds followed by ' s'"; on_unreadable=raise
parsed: 5 h 48 min
